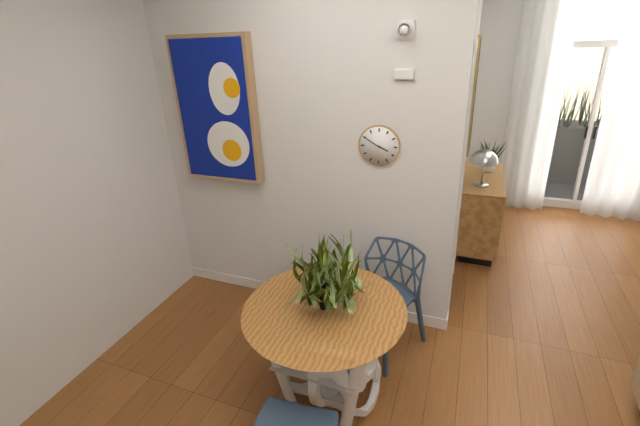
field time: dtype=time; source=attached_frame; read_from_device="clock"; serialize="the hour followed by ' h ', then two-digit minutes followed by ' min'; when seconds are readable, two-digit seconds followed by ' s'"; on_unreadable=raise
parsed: 3 h 50 min
